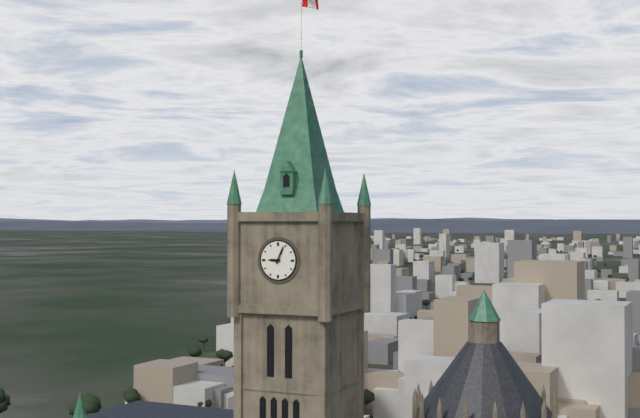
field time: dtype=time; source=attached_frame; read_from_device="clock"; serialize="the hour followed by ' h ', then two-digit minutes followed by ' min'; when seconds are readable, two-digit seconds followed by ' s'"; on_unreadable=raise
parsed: 9 h 04 min
